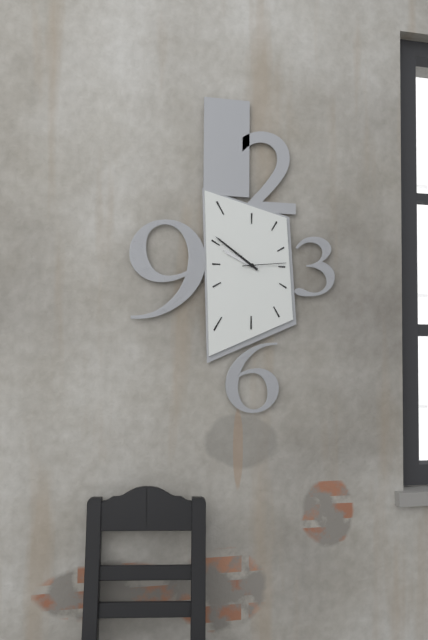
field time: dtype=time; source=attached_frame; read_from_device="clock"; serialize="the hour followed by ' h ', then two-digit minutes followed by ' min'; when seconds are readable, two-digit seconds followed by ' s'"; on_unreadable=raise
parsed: 9 h 51 min
